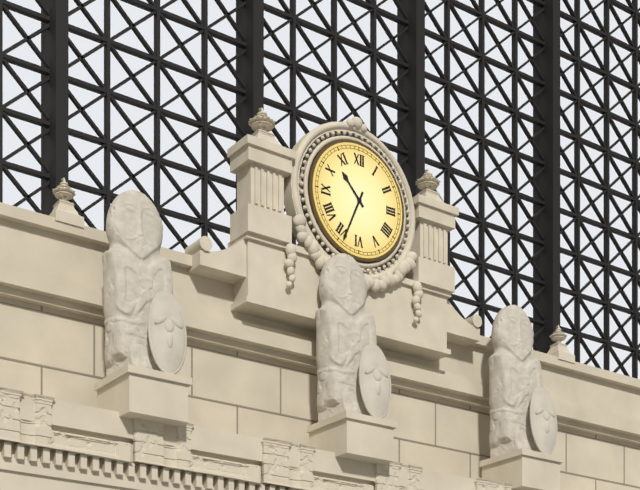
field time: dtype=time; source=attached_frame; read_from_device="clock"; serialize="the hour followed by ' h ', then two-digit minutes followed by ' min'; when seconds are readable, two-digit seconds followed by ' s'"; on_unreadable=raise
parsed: 10 h 34 min
